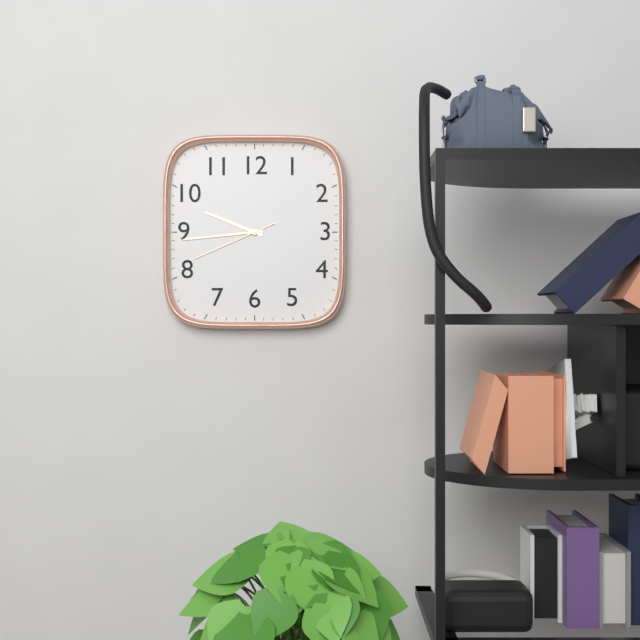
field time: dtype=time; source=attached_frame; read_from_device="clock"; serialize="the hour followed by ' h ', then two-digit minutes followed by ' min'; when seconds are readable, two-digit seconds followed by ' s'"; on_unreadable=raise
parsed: 9 h 44 min 41 s
